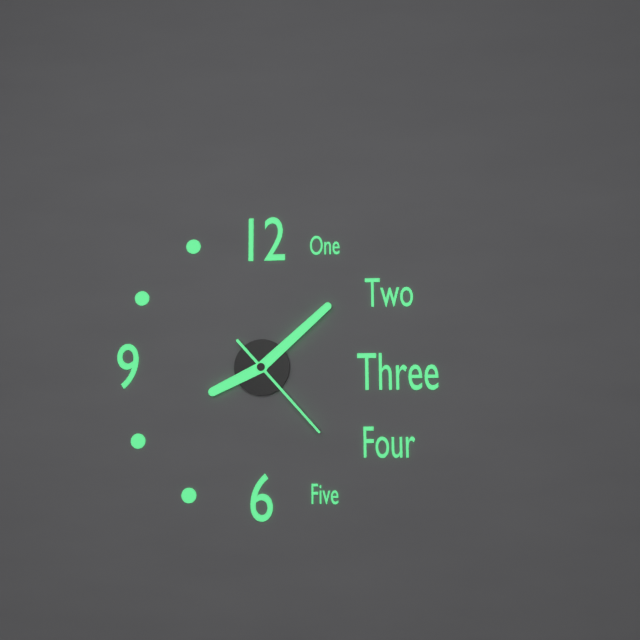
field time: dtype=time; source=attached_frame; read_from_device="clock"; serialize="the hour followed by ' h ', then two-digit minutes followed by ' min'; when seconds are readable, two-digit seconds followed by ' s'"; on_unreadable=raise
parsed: 8 h 08 min 23 s
